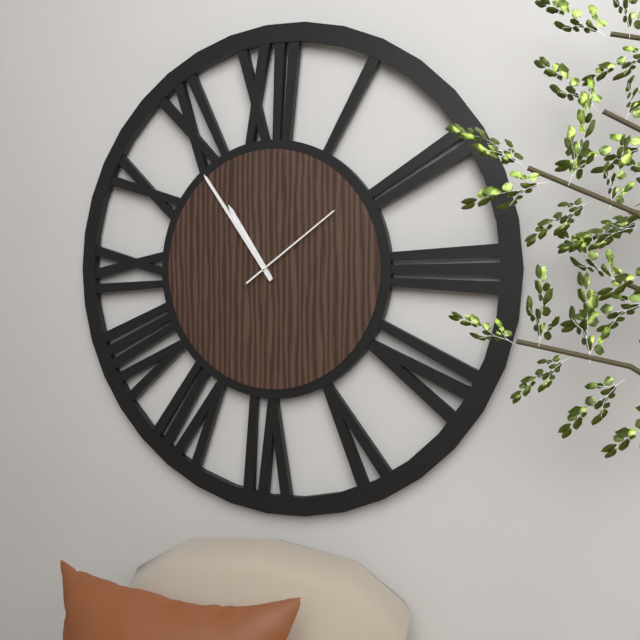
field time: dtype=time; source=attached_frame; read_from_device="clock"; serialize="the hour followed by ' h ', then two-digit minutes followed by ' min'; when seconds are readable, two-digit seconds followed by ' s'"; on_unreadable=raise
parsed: 10 h 54 min 09 s
